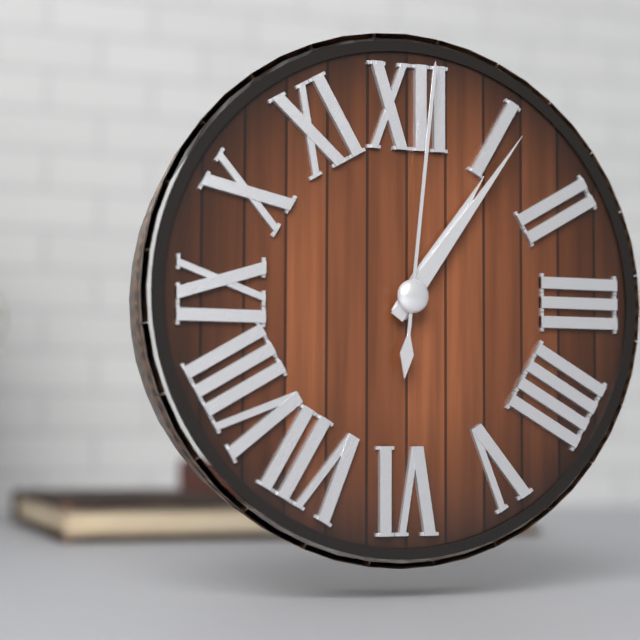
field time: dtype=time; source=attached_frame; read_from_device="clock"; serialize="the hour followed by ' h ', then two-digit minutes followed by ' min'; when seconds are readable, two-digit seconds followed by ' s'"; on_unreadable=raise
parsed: 1 h 06 min 01 s
